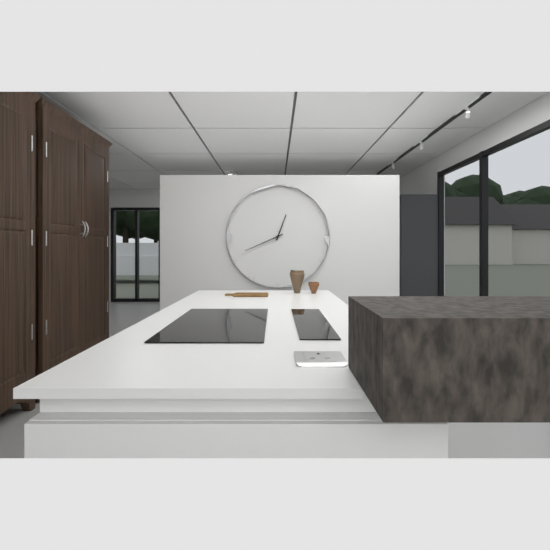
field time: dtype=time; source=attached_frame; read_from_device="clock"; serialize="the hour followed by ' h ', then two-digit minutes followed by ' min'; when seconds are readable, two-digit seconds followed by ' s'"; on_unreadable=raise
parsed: 12 h 41 min
